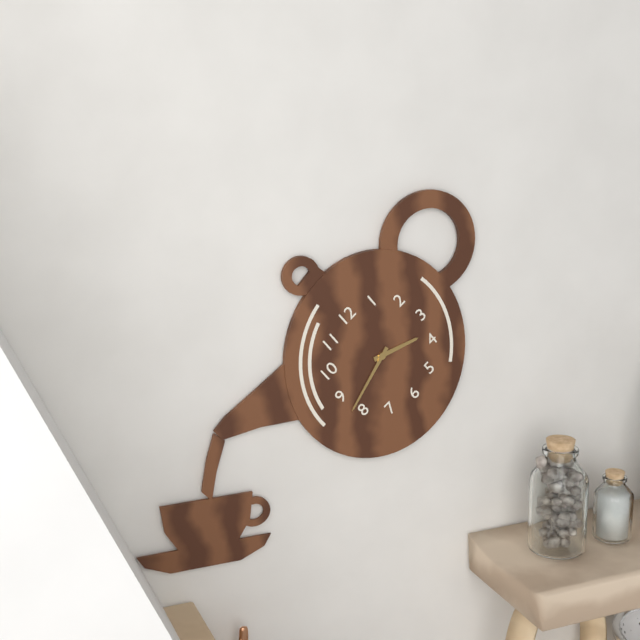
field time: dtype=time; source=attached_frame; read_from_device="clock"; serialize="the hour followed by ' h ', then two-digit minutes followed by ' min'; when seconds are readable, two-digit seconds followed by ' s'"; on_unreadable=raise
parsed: 3 h 42 min
